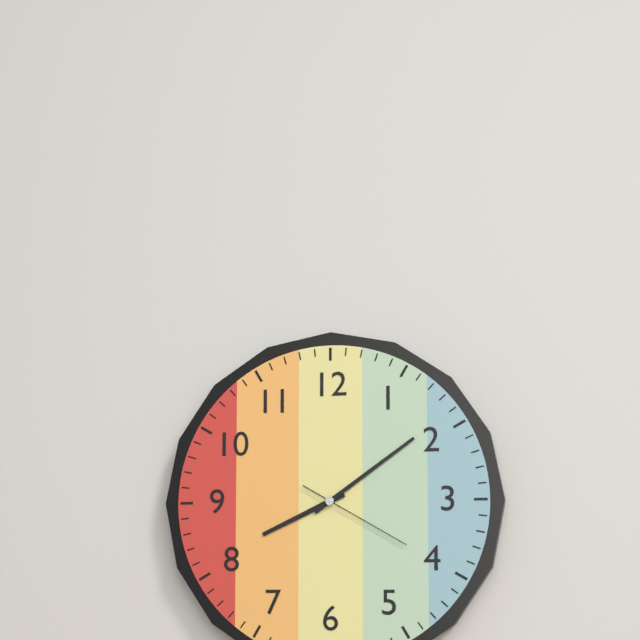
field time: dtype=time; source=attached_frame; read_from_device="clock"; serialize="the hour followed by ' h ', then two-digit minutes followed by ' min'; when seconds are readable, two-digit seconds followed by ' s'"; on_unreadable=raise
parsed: 8 h 09 min 20 s
